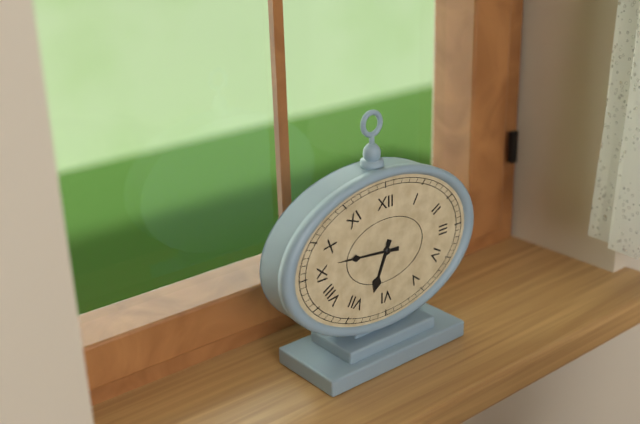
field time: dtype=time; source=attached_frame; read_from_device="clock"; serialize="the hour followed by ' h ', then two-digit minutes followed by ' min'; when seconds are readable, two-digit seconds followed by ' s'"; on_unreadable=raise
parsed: 6 h 46 min
